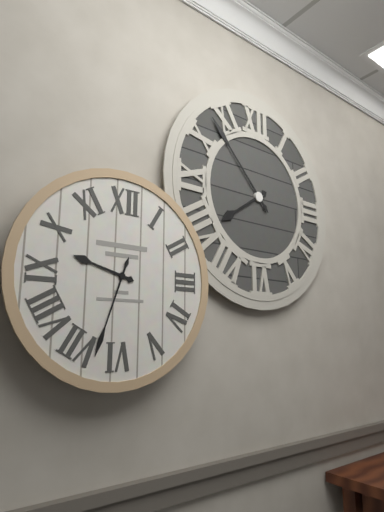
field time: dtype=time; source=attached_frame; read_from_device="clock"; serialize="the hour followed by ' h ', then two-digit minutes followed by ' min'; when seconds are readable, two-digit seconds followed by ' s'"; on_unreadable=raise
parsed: 9 h 33 min
